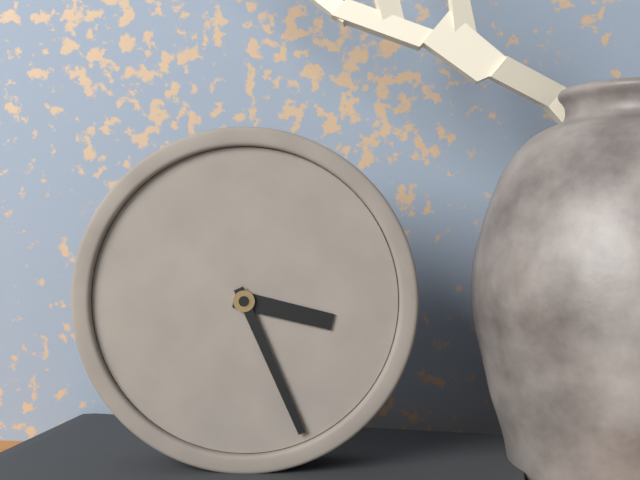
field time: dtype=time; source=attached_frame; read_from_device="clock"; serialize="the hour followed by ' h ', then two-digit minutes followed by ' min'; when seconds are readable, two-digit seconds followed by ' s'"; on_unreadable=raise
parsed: 3 h 26 min
